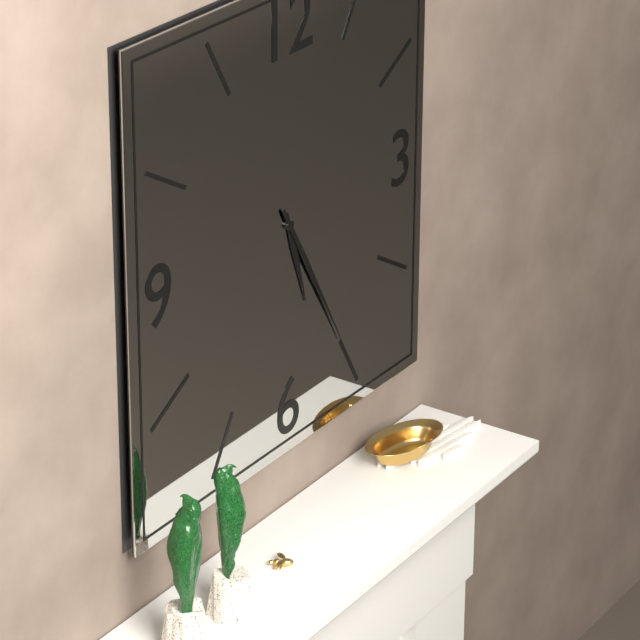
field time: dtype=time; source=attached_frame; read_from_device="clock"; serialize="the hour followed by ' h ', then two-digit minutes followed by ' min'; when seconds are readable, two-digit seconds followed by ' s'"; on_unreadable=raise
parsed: 5 h 25 min
